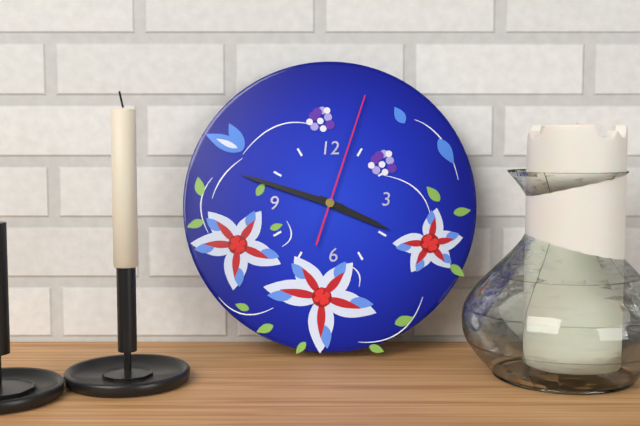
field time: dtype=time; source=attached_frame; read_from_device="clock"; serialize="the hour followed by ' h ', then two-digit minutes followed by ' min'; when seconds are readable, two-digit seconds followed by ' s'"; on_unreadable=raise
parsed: 3 h 48 min 03 s
